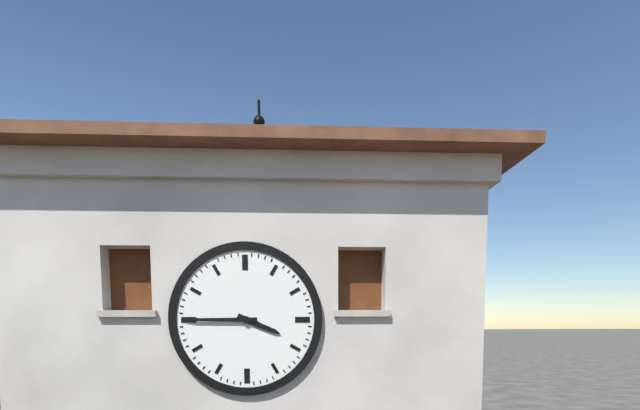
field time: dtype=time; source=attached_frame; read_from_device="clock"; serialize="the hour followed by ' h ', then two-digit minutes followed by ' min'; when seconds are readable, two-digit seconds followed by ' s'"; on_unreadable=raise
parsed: 3 h 45 min
